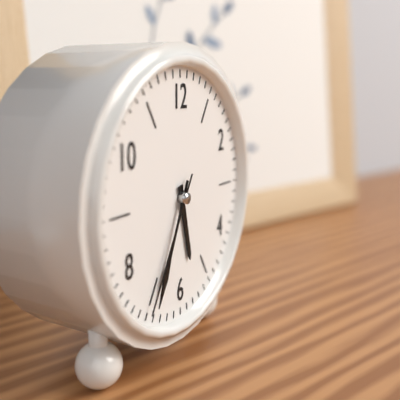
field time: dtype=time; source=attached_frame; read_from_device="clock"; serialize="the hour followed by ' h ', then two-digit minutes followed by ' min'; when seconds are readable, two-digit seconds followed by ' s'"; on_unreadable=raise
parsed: 5 h 34 min 35 s
